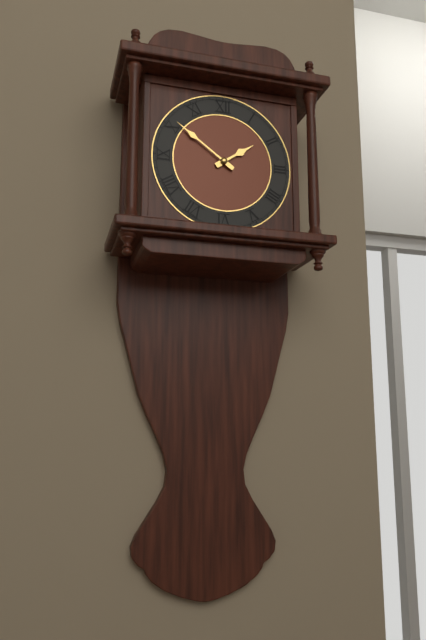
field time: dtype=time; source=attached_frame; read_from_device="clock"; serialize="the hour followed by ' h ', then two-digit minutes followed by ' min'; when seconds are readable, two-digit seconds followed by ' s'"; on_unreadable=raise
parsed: 1 h 51 min
